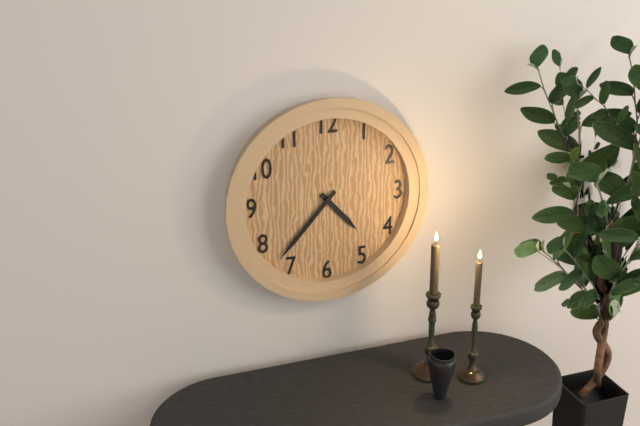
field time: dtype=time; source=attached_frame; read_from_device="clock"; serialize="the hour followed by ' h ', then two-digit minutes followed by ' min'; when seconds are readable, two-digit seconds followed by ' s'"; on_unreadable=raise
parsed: 4 h 37 min
